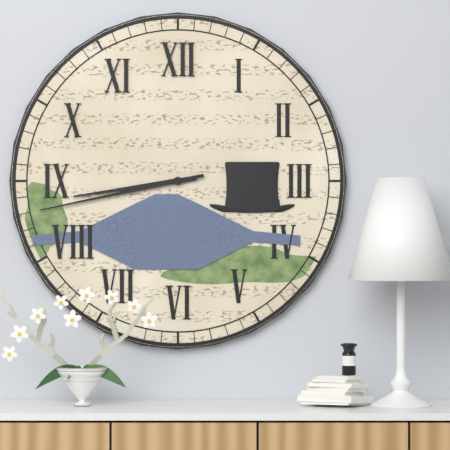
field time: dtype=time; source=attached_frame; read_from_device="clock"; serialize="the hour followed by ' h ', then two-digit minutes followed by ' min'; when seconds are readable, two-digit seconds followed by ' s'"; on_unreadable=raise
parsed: 8 h 43 min
